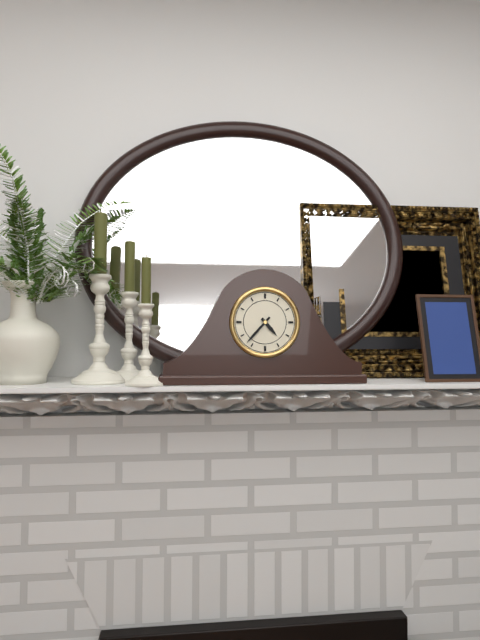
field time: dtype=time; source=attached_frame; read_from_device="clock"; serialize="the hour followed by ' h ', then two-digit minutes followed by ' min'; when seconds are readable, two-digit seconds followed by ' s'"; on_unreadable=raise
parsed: 4 h 37 min
